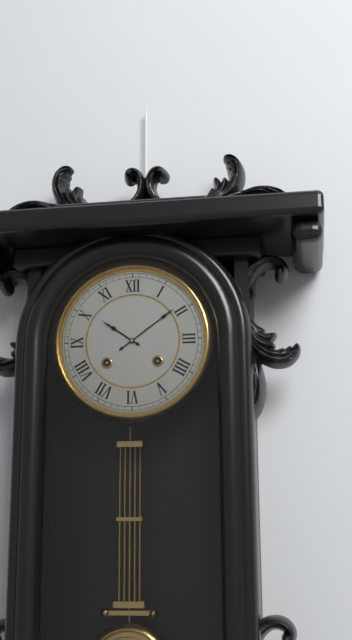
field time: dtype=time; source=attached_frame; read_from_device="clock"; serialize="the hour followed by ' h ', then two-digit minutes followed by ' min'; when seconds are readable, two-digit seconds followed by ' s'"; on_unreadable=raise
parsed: 10 h 09 min
